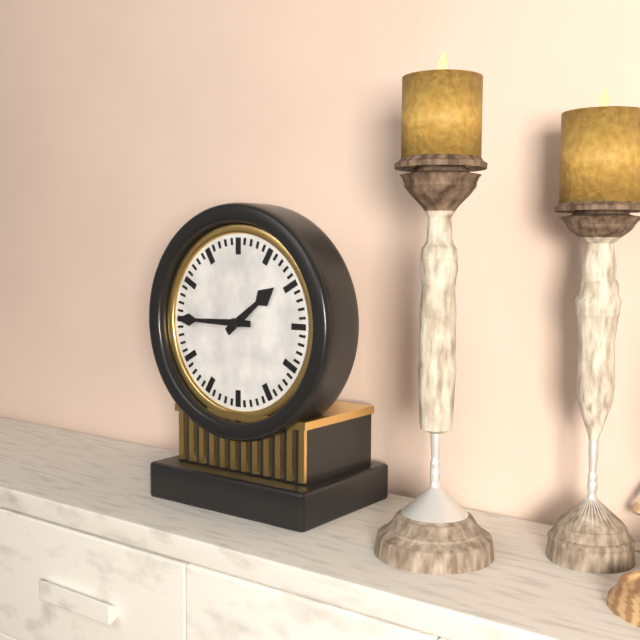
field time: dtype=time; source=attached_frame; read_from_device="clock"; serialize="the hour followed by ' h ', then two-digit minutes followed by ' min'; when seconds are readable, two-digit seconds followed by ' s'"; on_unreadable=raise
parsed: 1 h 45 min
